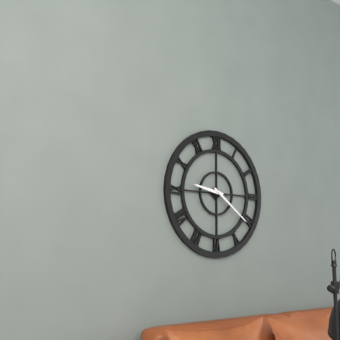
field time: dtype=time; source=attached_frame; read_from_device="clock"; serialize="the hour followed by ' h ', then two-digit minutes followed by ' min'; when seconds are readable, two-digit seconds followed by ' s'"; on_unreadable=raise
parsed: 9 h 21 min
